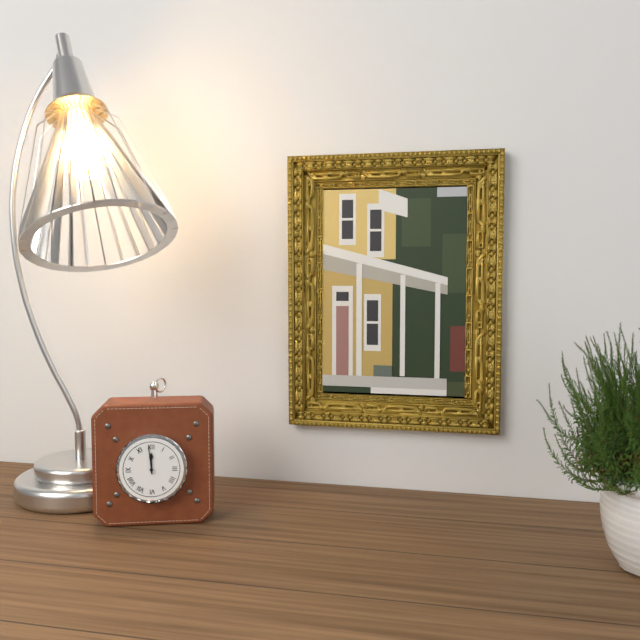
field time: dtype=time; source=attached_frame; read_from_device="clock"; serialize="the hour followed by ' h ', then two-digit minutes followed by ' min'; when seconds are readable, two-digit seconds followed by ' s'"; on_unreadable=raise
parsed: 11 h 59 min
